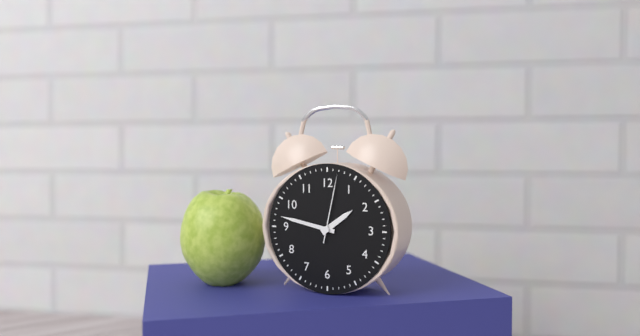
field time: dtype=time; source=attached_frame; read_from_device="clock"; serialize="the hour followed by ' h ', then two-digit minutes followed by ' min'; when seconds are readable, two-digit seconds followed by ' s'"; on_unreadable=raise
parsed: 1 h 47 min 02 s
